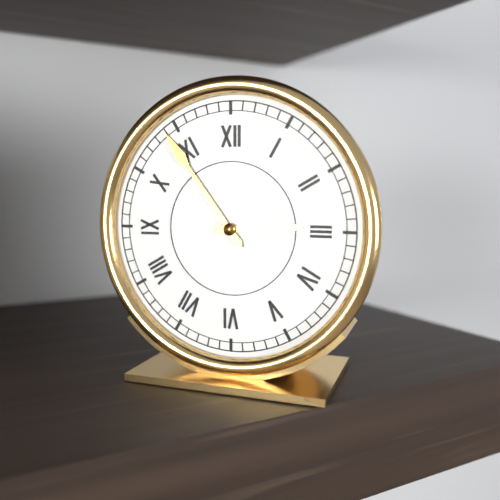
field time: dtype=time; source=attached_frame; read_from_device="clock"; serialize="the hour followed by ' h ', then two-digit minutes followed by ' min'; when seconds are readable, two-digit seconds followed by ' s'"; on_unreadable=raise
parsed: 2 h 54 min
